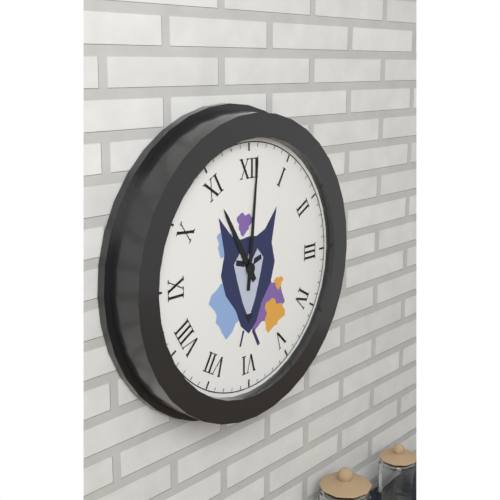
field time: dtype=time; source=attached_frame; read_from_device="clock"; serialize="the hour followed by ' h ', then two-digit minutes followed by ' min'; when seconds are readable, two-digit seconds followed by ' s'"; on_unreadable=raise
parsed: 11 h 01 min
